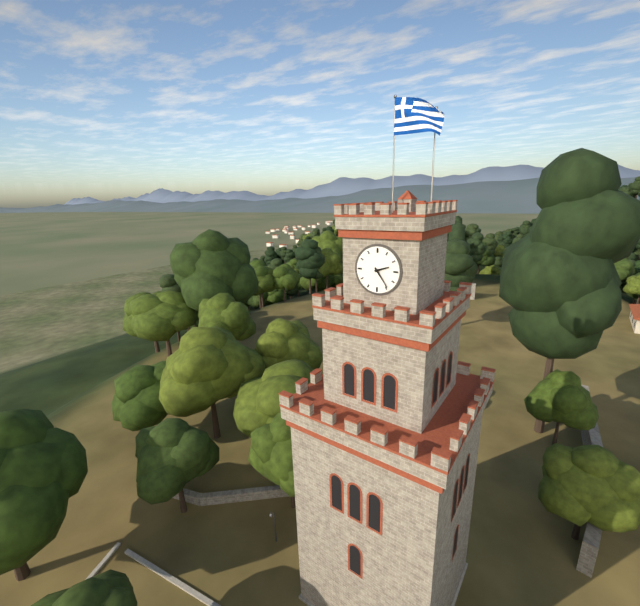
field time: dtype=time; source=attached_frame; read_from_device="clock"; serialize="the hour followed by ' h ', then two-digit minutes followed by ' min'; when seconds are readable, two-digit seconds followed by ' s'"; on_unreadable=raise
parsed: 2 h 24 min
